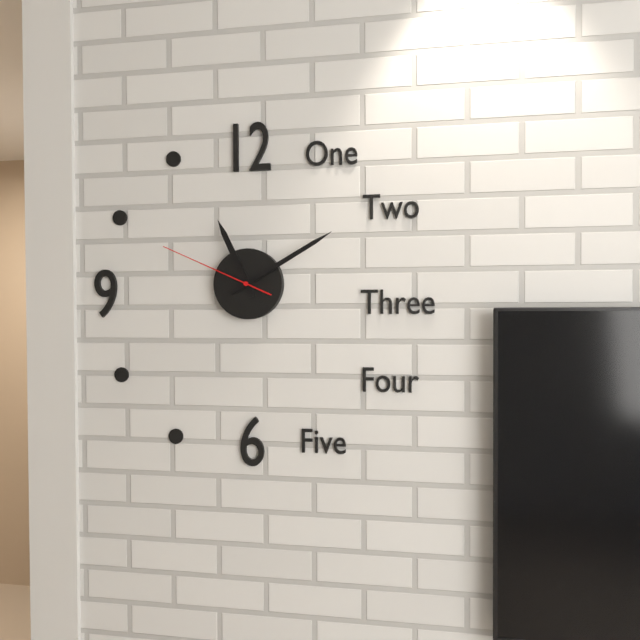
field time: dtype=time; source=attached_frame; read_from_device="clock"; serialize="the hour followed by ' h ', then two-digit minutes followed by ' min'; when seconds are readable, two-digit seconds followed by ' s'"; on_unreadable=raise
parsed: 11 h 10 min 49 s
